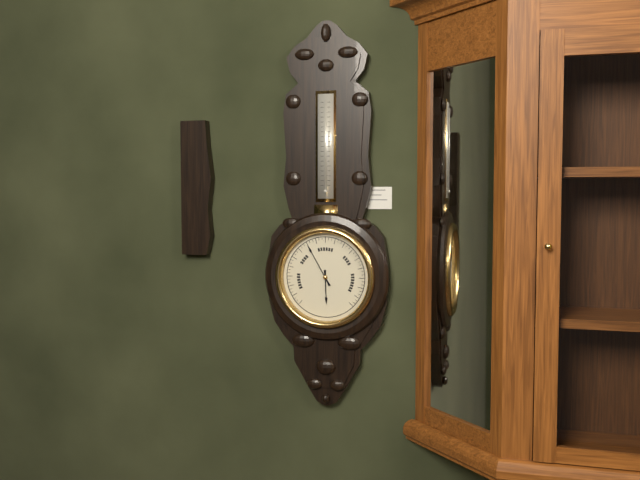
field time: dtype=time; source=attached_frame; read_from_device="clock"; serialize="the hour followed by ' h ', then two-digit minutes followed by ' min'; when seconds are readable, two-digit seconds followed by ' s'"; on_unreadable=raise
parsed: 5 h 55 min
